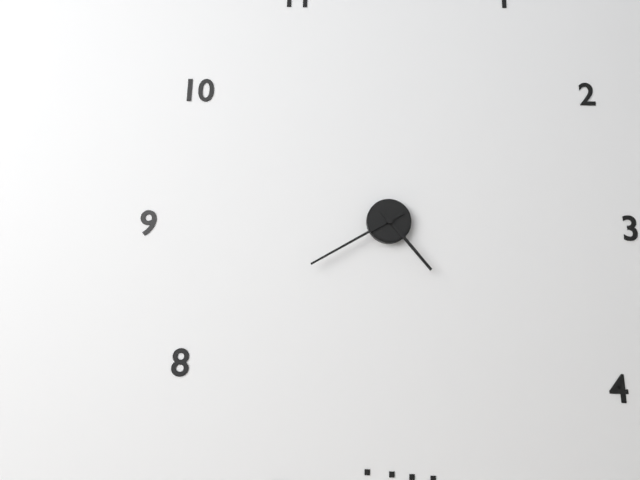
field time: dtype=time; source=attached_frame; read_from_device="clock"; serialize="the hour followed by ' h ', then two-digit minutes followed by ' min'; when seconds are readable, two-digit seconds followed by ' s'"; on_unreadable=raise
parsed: 4 h 40 min
